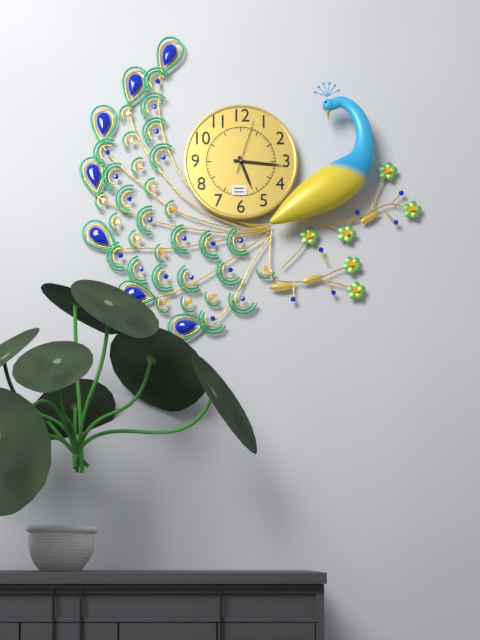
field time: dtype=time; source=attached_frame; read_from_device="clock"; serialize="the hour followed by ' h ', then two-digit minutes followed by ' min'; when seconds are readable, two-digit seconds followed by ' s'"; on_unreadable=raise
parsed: 5 h 16 min 03 s
